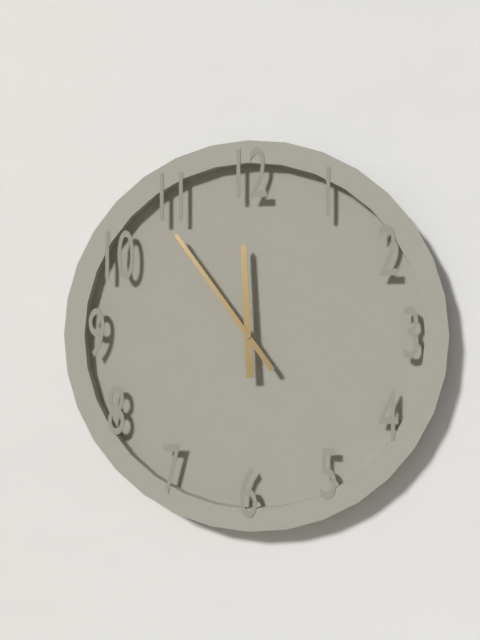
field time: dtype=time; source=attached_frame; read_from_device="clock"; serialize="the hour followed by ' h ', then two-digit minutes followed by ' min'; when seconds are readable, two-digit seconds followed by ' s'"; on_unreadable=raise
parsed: 11 h 54 min
